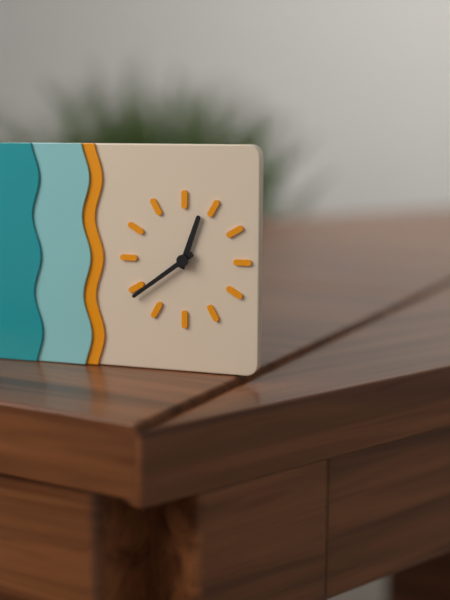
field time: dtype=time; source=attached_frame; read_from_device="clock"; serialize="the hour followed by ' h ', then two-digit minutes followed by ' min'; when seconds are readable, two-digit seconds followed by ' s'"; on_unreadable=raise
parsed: 12 h 39 min
